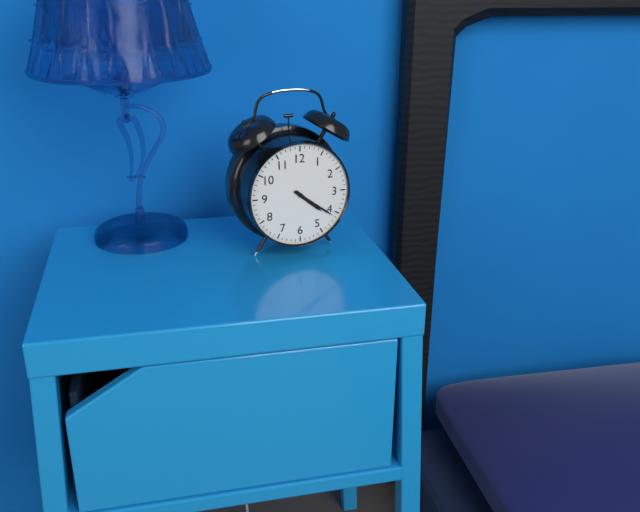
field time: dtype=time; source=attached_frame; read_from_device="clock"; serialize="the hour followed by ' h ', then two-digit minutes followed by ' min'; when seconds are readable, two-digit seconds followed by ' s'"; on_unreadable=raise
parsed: 4 h 21 min
